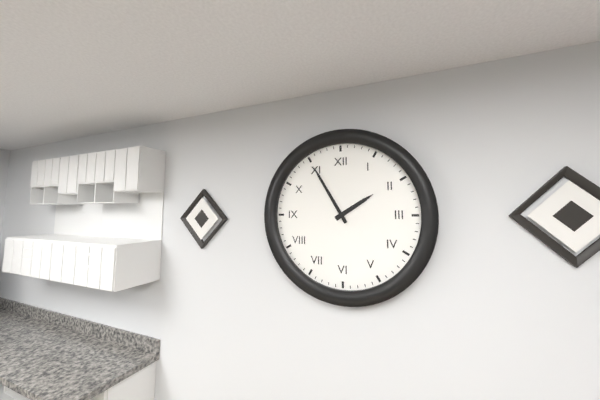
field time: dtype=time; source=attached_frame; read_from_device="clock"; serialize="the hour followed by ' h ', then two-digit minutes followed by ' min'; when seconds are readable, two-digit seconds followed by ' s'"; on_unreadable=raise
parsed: 1 h 55 min
